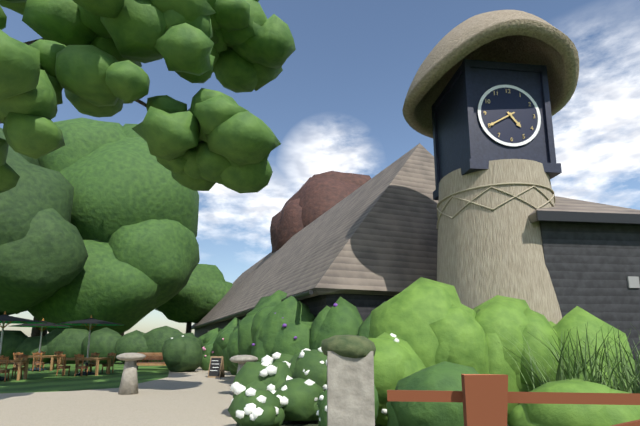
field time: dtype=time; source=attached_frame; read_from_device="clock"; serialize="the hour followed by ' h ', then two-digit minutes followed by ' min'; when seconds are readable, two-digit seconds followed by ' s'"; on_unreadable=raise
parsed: 4 h 40 min
